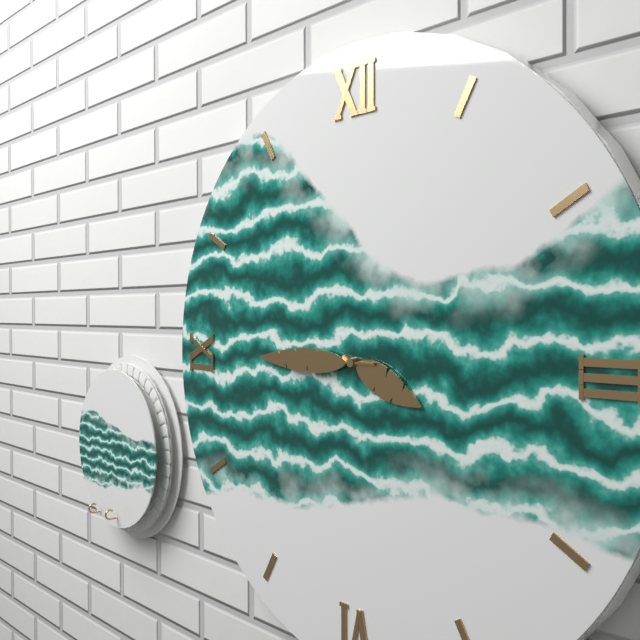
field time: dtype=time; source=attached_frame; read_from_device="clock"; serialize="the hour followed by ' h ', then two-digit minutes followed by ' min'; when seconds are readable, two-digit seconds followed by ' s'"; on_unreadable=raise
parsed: 3 h 45 min
